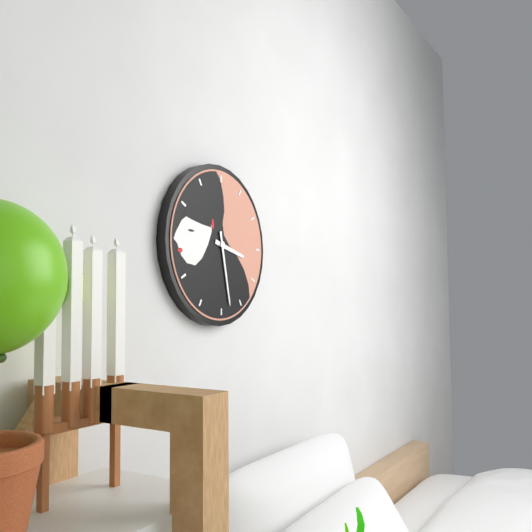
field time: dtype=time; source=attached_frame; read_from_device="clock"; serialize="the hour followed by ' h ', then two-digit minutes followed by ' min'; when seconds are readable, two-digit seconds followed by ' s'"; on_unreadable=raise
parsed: 3 h 28 min
